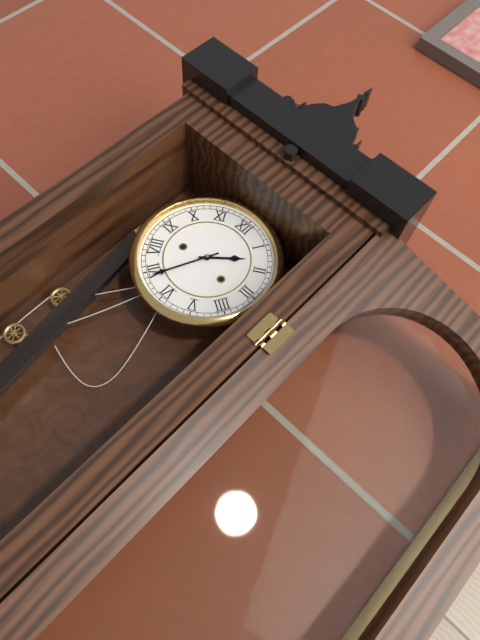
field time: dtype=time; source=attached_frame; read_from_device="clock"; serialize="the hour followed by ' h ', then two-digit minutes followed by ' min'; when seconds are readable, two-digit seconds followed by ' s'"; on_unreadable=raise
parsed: 1 h 34 min
